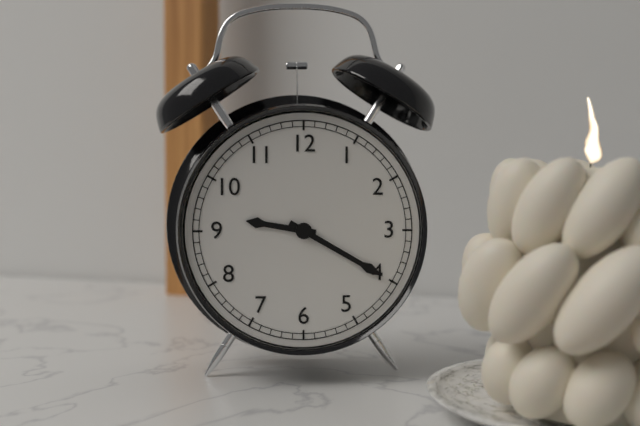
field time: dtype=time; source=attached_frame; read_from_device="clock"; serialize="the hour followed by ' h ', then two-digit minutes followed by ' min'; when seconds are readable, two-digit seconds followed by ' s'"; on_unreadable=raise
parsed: 9 h 20 min
